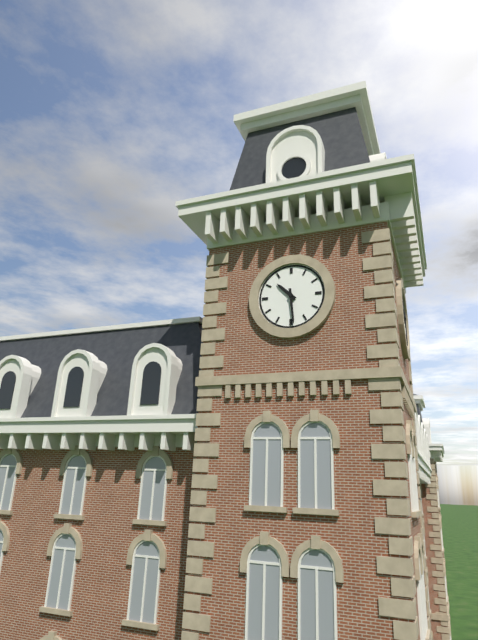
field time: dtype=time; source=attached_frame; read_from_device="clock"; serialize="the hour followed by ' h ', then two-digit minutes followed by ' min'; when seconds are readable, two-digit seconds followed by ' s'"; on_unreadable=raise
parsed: 10 h 29 min
